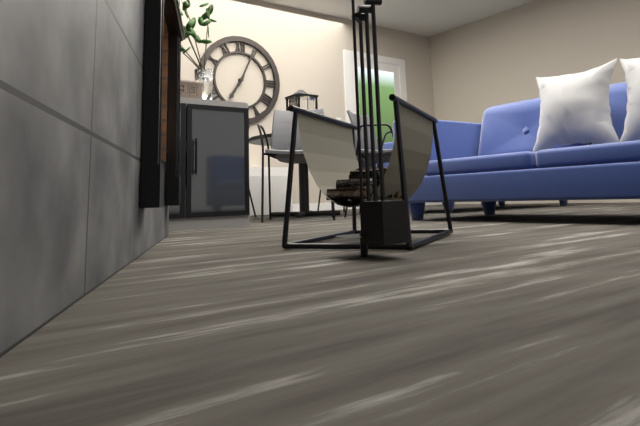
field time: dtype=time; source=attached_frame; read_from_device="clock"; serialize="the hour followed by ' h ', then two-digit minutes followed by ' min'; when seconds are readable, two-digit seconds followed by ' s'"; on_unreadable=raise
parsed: 7 h 04 min
